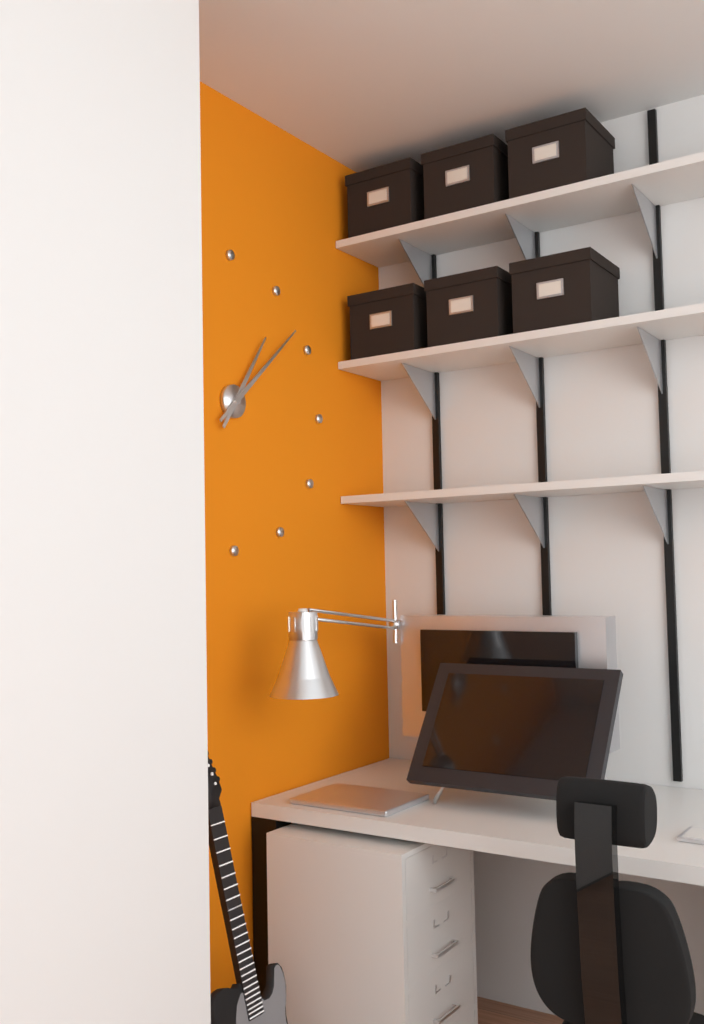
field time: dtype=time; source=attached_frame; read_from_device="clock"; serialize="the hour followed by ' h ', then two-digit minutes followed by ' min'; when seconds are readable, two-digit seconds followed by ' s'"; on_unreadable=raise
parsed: 1 h 08 min
